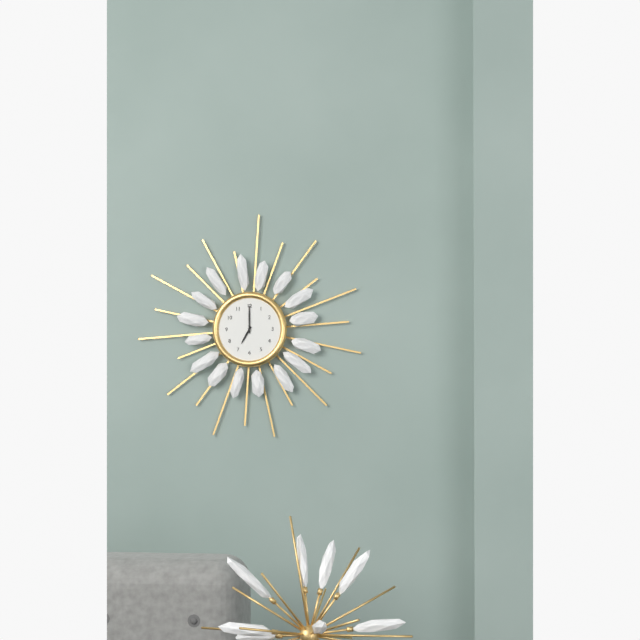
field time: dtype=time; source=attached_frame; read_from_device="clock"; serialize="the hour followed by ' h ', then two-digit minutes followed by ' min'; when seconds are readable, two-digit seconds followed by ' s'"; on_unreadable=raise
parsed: 7 h 00 min
